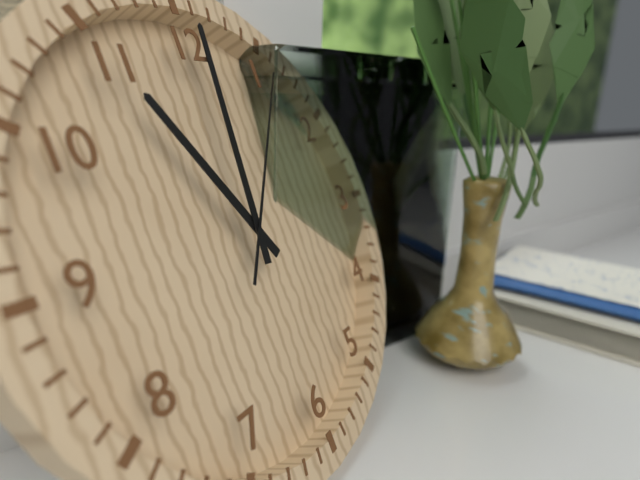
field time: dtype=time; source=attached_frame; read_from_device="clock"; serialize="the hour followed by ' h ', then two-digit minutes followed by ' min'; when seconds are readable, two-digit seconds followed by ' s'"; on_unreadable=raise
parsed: 11 h 01 min 06 s
